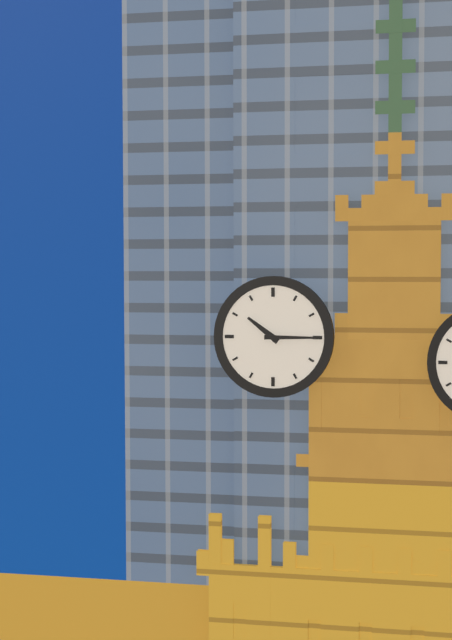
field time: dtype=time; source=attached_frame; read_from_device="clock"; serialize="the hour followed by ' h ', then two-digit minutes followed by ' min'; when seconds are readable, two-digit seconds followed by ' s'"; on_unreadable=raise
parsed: 10 h 15 min
